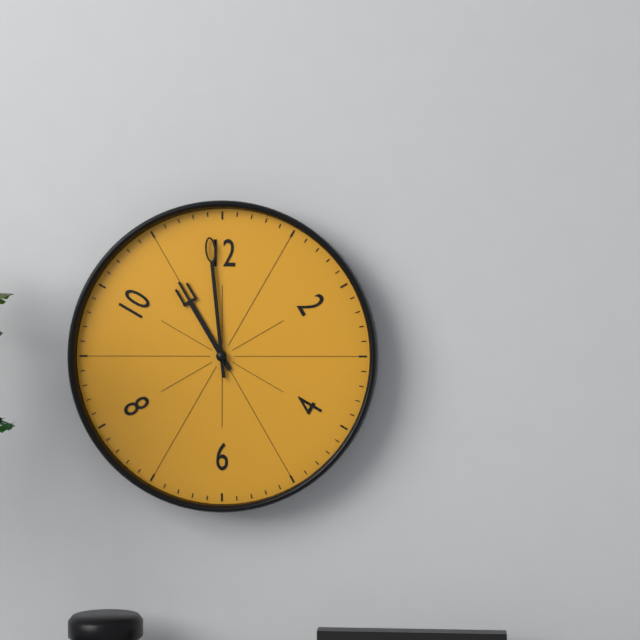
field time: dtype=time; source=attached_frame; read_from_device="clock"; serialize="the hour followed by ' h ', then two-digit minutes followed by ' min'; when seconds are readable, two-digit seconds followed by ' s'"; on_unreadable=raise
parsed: 10 h 59 min
